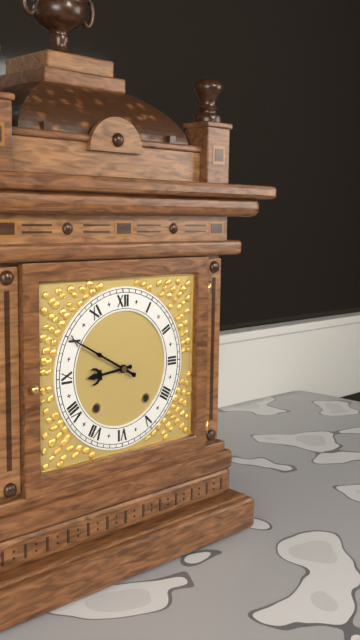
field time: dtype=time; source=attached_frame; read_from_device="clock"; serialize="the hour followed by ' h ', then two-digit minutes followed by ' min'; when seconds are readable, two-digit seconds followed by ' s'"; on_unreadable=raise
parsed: 8 h 50 min
